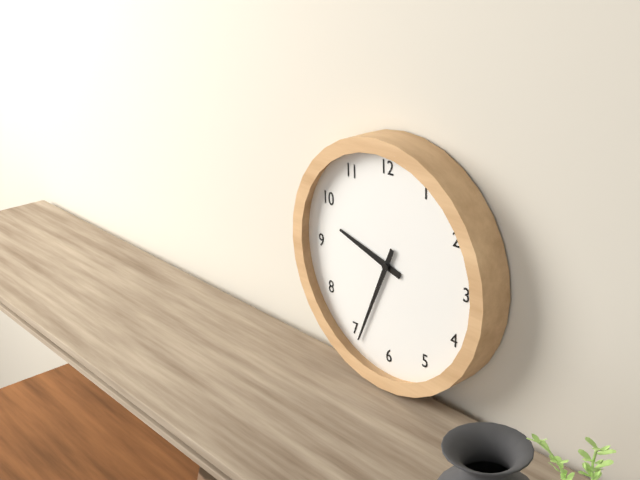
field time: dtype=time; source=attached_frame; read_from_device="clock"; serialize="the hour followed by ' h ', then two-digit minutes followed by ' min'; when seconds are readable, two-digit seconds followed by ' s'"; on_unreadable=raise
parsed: 9 h 34 min
